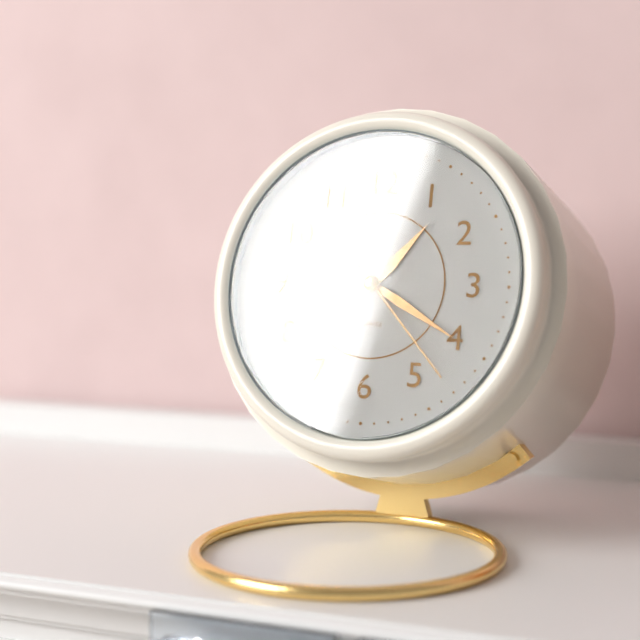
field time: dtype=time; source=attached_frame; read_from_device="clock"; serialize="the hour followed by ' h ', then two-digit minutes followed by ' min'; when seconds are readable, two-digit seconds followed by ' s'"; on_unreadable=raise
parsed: 1 h 20 min 23 s
